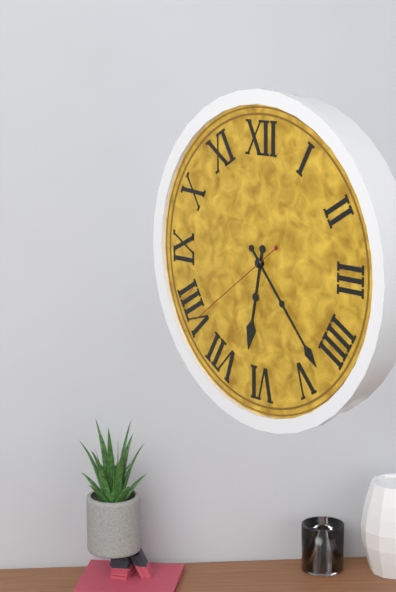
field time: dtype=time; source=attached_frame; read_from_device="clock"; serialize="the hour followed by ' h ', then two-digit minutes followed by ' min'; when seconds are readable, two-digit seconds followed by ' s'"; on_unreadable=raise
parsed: 6 h 23 min 39 s
